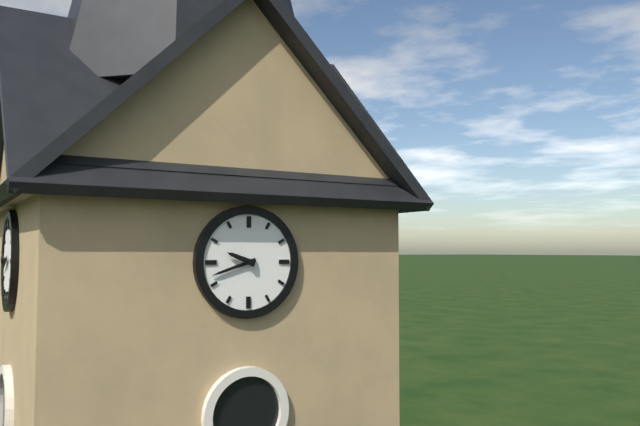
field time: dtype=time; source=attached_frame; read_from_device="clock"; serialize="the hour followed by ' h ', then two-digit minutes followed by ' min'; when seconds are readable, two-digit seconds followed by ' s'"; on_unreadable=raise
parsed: 9 h 42 min
